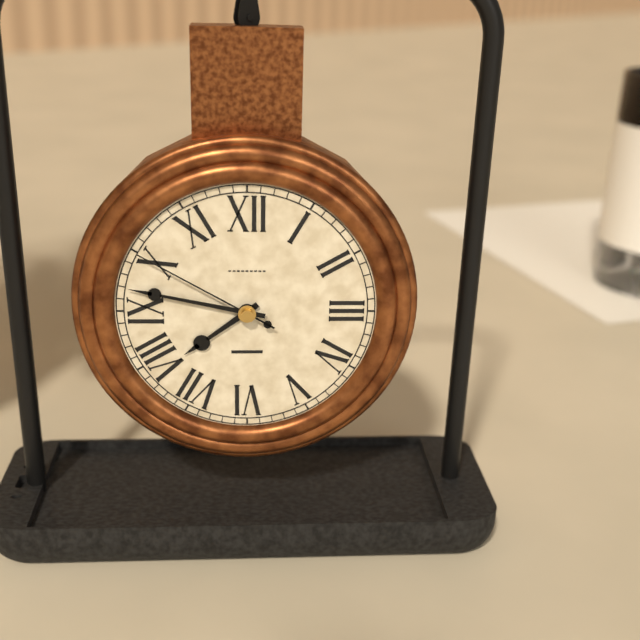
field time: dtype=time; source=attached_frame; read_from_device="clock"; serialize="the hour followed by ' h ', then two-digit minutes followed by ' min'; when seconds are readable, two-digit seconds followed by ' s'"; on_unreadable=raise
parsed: 7 h 47 min 50 s
